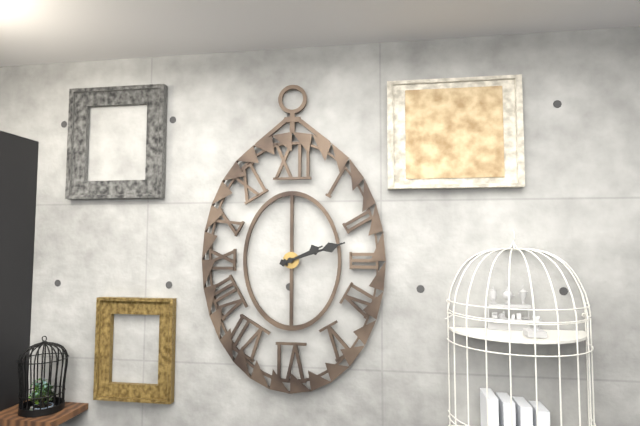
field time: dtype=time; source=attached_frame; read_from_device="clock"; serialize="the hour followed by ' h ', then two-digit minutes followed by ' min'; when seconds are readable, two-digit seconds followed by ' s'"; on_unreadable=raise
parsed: 2 h 12 min
